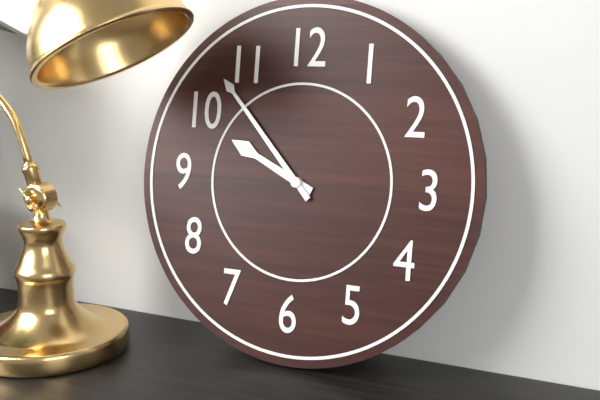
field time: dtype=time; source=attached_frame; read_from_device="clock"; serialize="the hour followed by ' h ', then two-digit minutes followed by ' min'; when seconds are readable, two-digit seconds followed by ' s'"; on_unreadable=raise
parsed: 9 h 53 min
